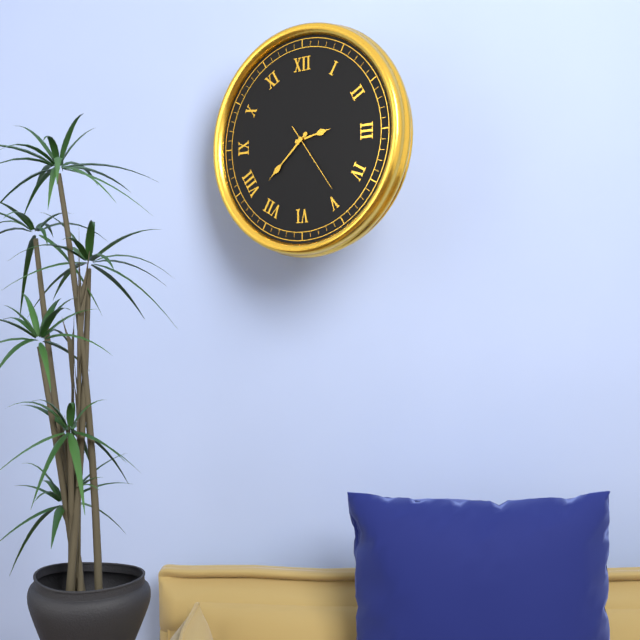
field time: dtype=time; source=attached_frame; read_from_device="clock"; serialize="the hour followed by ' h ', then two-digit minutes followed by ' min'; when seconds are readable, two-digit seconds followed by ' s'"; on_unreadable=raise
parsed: 2 h 38 min 24 s
